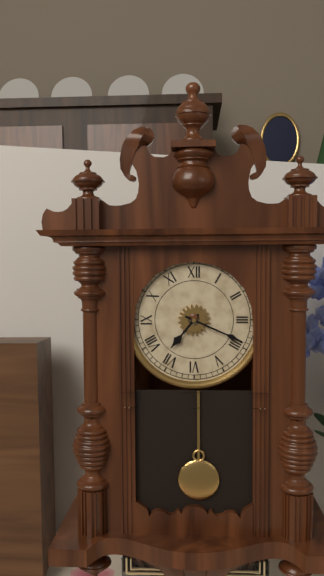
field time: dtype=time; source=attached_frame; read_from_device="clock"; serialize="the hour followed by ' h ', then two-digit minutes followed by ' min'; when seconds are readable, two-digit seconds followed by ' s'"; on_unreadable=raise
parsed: 7 h 19 min
